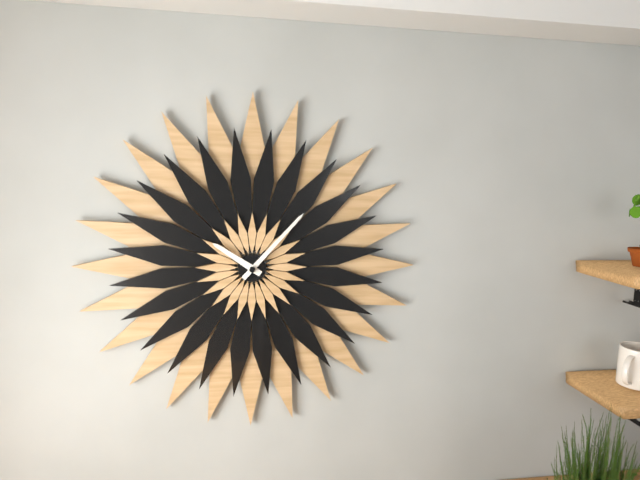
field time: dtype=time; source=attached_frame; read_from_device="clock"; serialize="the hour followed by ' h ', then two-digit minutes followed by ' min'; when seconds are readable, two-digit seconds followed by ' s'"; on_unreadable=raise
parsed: 10 h 07 min
